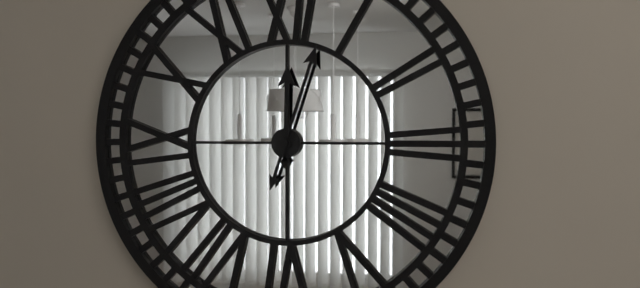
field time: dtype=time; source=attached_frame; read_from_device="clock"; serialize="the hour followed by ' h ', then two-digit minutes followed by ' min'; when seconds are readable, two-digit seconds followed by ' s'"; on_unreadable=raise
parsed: 12 h 03 min
